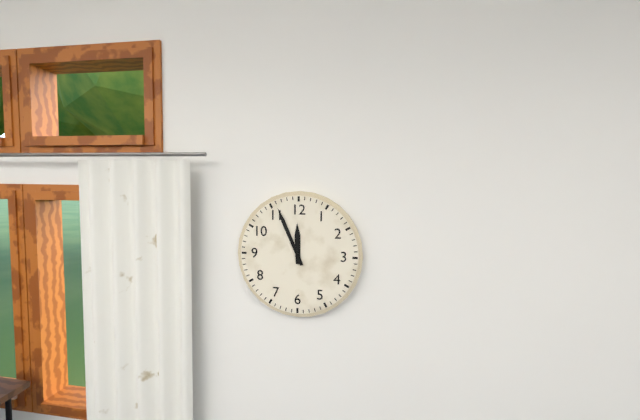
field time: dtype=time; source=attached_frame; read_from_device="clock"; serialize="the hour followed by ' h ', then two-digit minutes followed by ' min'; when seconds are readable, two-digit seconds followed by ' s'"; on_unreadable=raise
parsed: 11 h 56 min
